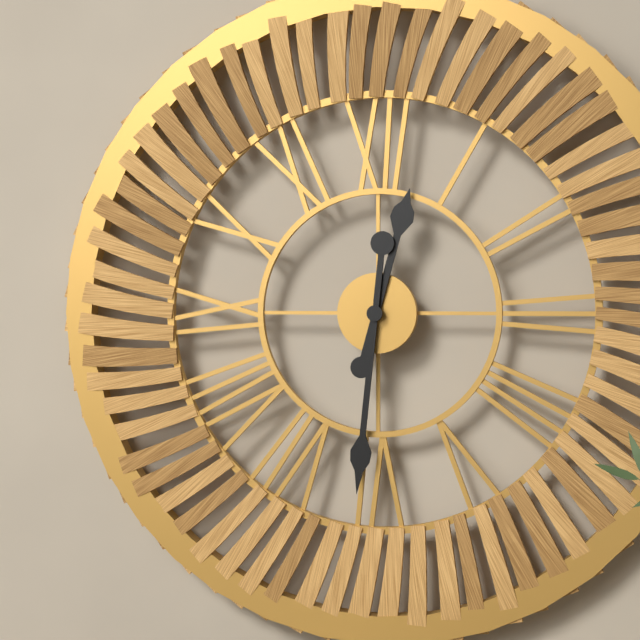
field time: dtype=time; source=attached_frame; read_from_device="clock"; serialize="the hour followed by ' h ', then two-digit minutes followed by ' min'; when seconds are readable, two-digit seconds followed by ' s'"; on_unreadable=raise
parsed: 12 h 31 min
